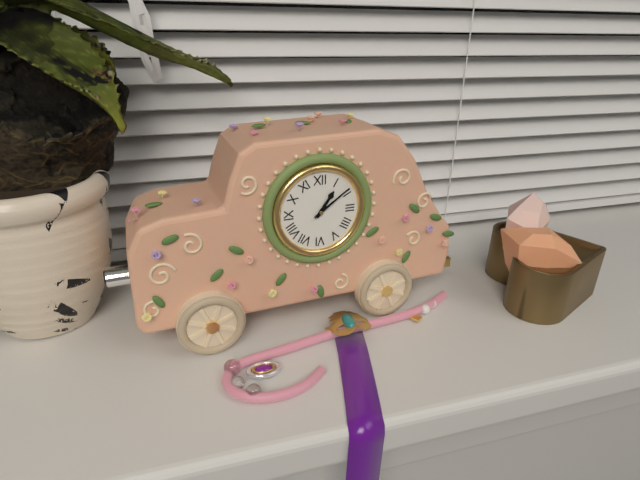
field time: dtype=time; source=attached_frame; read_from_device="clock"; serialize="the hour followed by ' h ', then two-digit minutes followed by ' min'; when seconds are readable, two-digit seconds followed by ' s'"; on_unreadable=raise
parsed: 1 h 09 min
